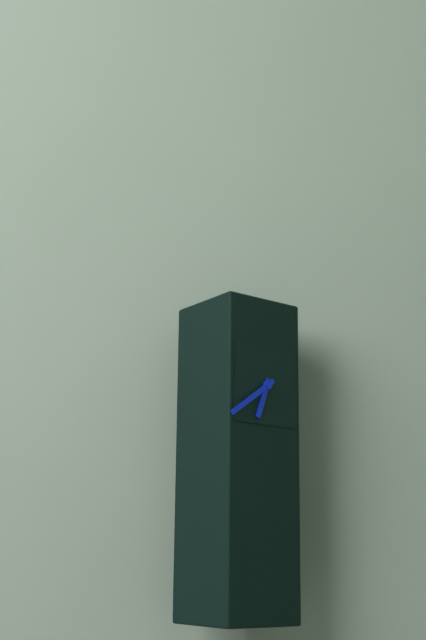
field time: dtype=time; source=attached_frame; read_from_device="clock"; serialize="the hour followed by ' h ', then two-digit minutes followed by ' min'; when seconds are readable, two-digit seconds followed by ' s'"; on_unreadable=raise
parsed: 6 h 39 min
